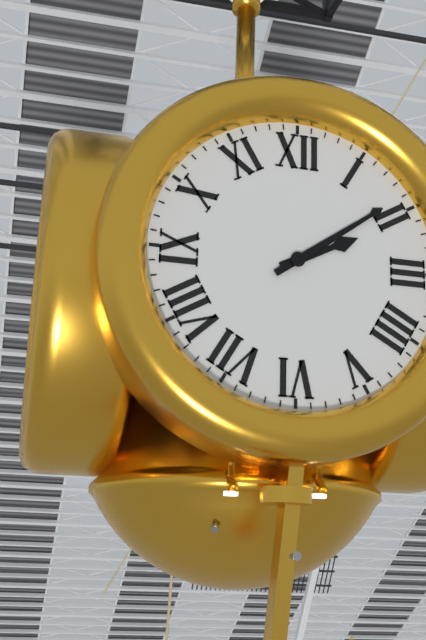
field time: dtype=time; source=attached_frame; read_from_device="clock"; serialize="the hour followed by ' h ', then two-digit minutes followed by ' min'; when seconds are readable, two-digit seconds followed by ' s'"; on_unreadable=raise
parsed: 2 h 09 min
